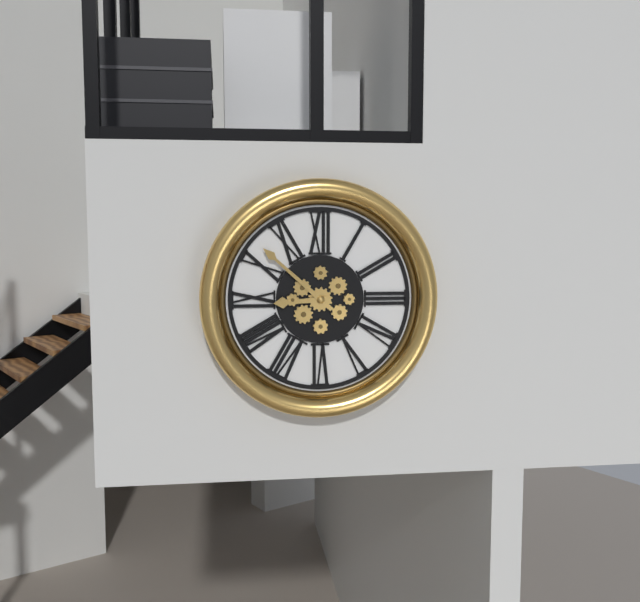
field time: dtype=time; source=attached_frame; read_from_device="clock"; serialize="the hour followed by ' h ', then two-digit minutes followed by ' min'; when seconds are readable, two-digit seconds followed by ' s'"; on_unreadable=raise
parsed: 8 h 52 min
